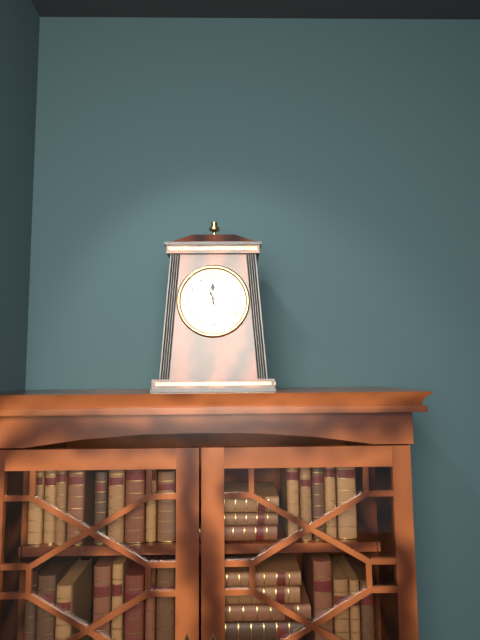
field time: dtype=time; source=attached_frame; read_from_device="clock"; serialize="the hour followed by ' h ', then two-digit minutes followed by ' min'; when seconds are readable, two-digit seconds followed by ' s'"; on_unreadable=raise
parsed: 11 h 57 min
